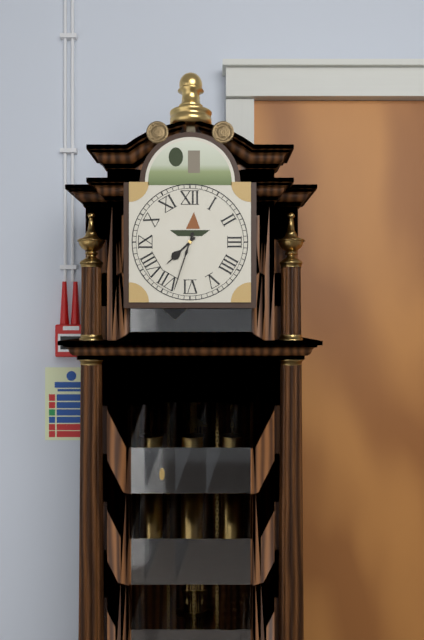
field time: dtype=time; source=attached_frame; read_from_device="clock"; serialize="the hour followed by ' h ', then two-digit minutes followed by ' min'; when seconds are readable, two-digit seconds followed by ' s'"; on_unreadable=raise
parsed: 7 h 33 min
